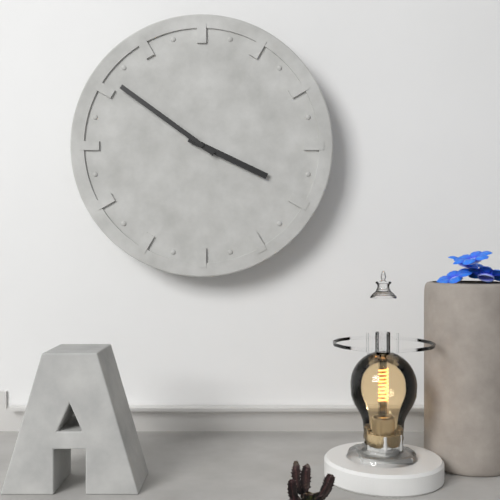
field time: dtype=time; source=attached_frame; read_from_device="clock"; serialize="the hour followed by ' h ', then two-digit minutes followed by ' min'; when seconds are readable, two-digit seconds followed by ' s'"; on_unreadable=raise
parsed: 3 h 51 min
